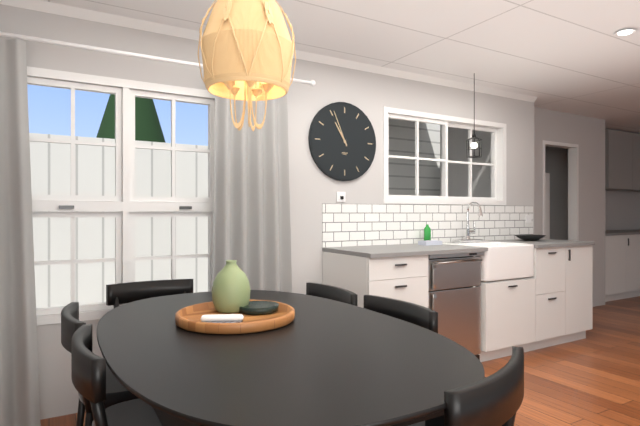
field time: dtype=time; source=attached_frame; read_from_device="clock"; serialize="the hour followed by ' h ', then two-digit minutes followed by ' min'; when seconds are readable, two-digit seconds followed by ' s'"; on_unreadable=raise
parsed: 10 h 56 min
